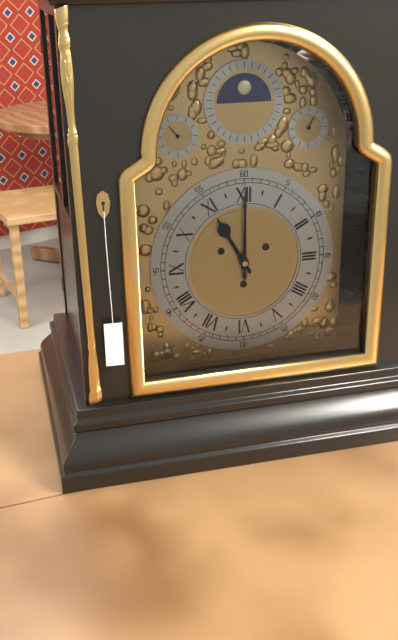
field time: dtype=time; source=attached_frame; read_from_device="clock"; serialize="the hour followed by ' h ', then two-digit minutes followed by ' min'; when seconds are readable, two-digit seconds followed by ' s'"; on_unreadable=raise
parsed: 11 h 00 min
